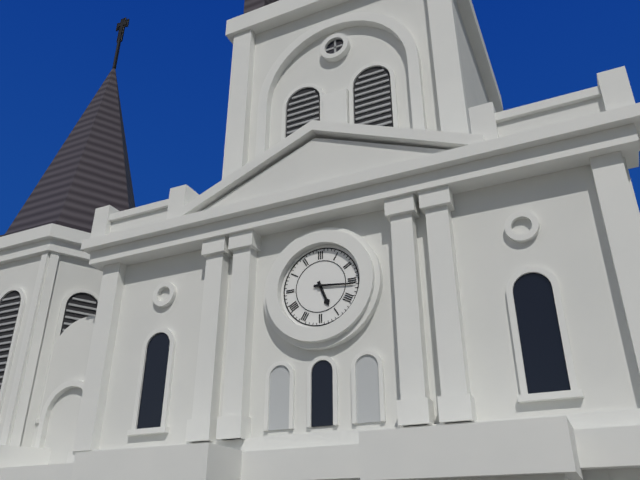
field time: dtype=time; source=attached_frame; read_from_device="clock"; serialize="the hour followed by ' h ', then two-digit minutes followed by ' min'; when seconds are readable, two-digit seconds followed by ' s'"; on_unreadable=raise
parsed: 5 h 16 min
